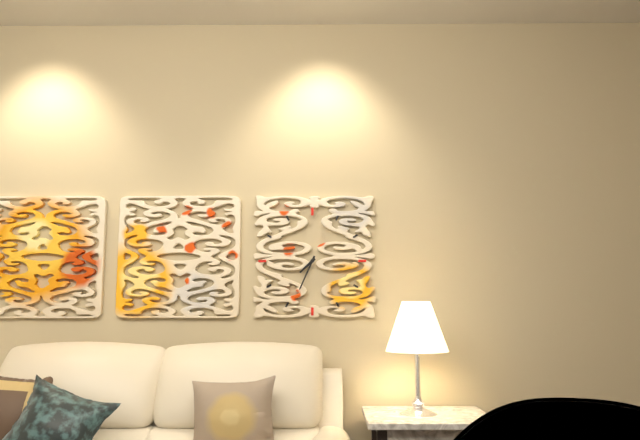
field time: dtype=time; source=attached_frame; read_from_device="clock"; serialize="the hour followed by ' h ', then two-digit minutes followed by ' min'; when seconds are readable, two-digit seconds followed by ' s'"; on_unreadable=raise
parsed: 7 h 34 min
